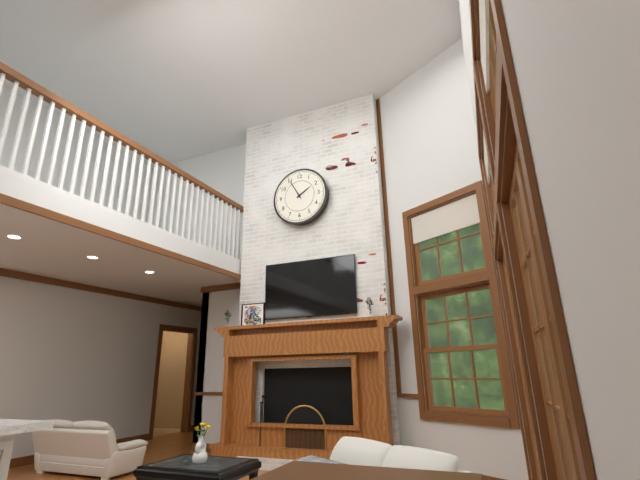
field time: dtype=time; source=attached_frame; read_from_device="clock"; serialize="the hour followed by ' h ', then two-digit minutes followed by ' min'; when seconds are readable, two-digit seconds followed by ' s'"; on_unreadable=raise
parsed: 1 h 55 min
